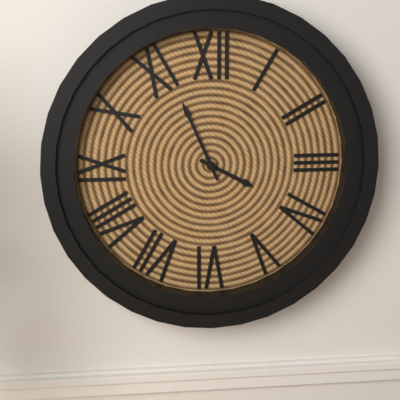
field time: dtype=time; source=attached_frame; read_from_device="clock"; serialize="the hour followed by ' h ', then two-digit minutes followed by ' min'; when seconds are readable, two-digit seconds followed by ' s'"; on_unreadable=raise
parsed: 3 h 56 min
